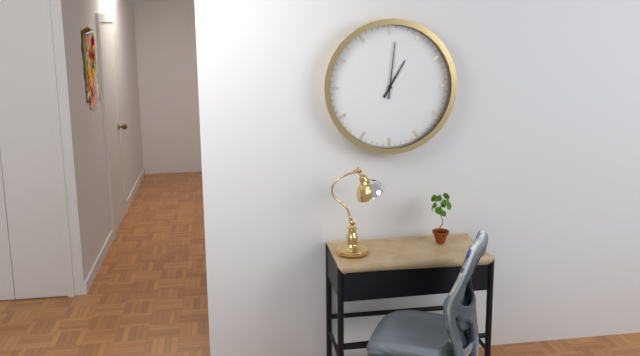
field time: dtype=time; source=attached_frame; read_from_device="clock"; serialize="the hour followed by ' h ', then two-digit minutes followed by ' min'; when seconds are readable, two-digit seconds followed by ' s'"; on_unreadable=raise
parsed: 1 h 01 min
